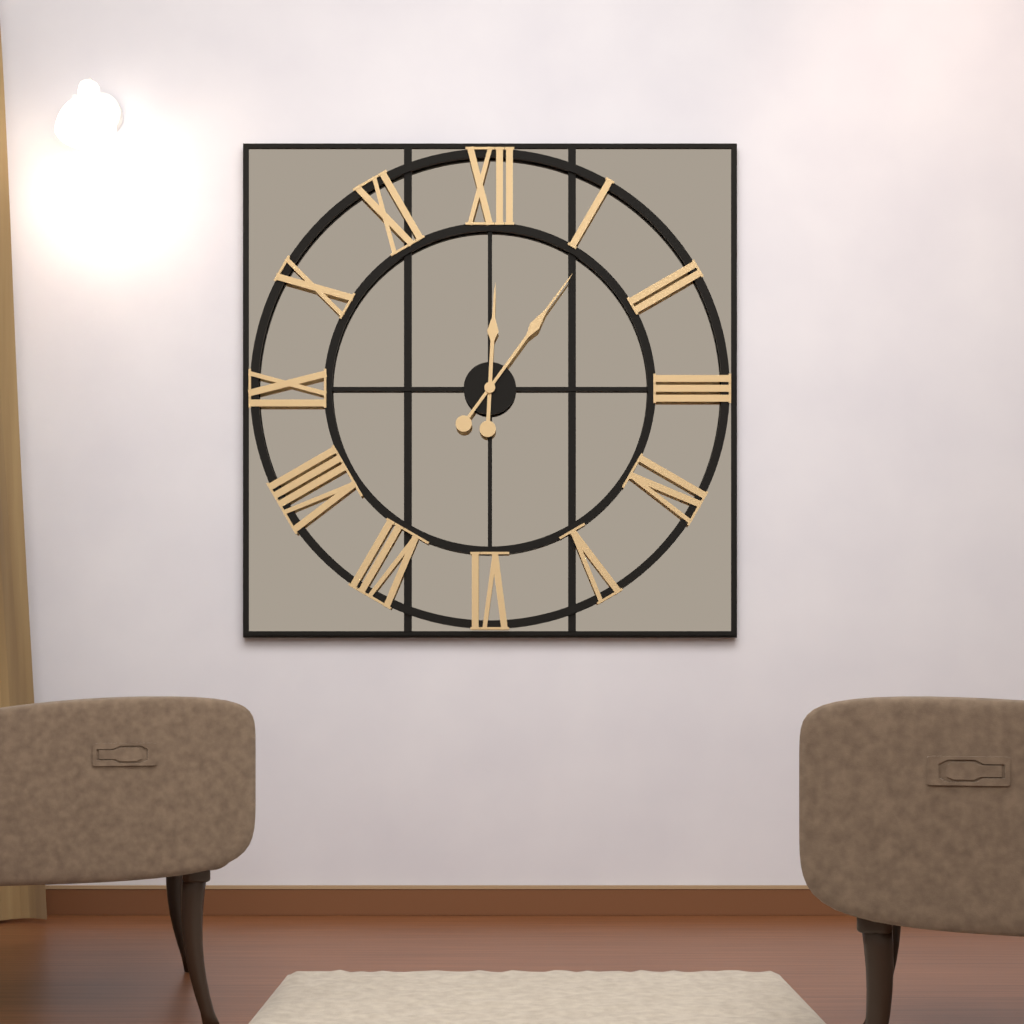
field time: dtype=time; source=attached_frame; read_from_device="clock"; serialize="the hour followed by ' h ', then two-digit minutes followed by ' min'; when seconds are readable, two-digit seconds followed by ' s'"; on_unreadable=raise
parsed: 12 h 06 min
